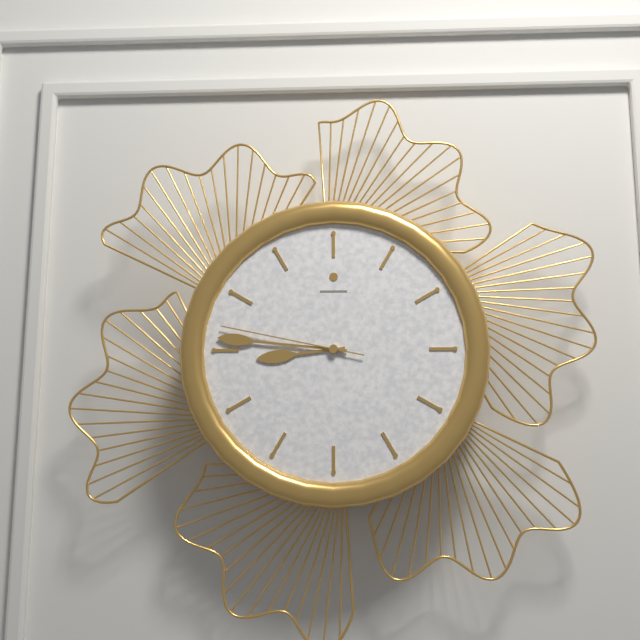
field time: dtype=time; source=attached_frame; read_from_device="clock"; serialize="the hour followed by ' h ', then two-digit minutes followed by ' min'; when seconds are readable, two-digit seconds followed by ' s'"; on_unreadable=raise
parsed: 8 h 46 min 47 s
